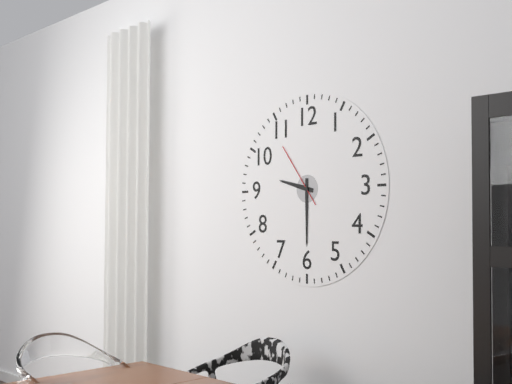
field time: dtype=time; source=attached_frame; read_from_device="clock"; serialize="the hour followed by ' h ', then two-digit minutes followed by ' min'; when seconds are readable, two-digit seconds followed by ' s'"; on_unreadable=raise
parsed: 9 h 30 min 54 s
